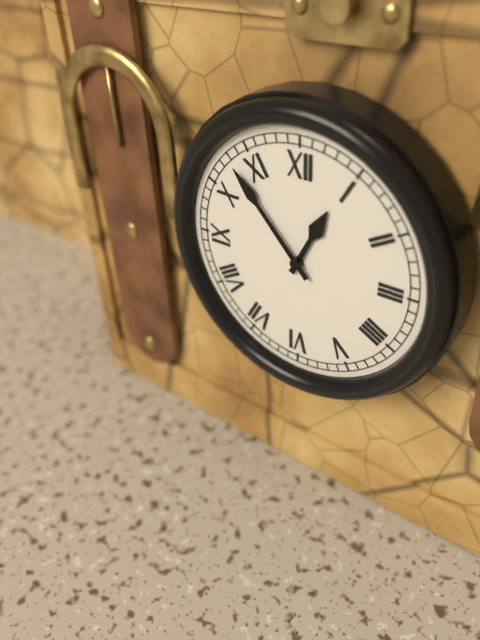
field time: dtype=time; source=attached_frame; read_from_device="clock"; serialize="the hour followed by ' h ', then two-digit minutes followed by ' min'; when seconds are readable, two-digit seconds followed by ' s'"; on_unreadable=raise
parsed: 12 h 53 min
